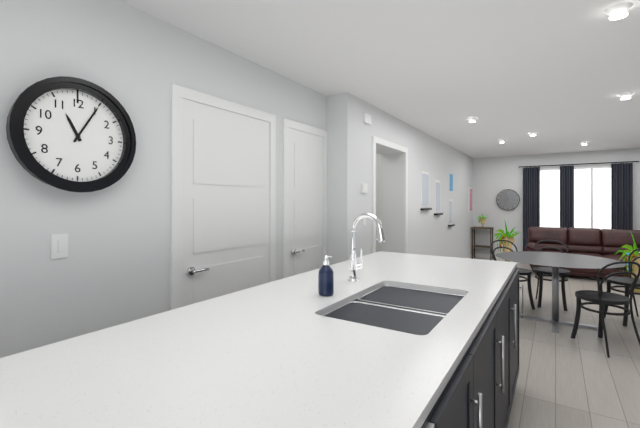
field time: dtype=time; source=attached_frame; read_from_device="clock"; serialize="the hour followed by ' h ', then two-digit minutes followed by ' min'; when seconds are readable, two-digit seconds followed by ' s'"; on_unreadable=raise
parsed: 11 h 05 min
